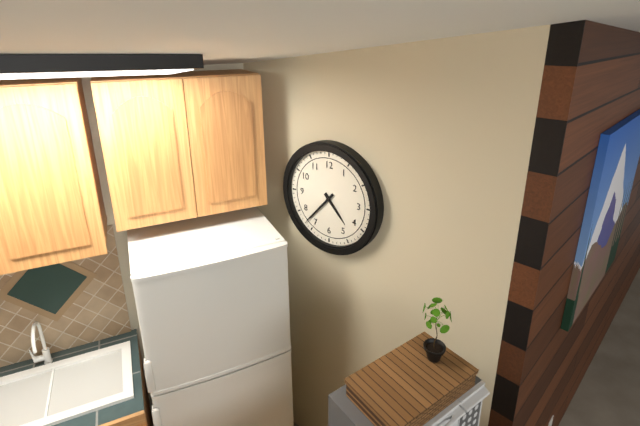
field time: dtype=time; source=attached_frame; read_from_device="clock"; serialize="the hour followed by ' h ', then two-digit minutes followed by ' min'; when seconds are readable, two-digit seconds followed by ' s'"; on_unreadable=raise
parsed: 4 h 37 min
